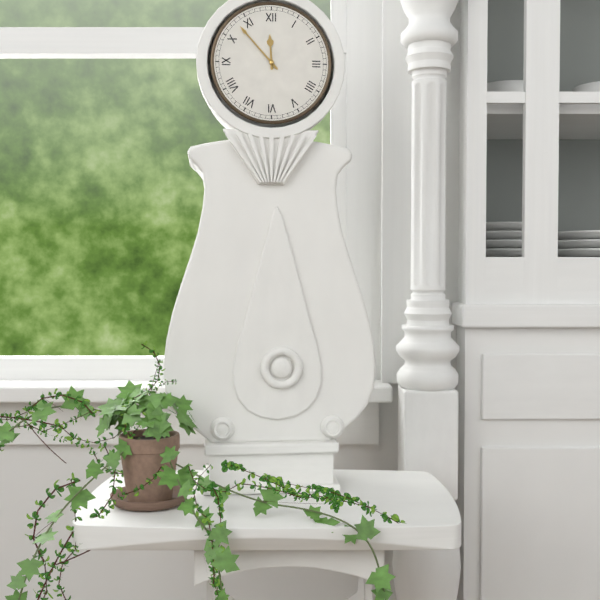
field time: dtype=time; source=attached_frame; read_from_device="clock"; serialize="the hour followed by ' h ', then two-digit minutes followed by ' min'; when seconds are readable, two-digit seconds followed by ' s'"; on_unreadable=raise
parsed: 11 h 53 min
